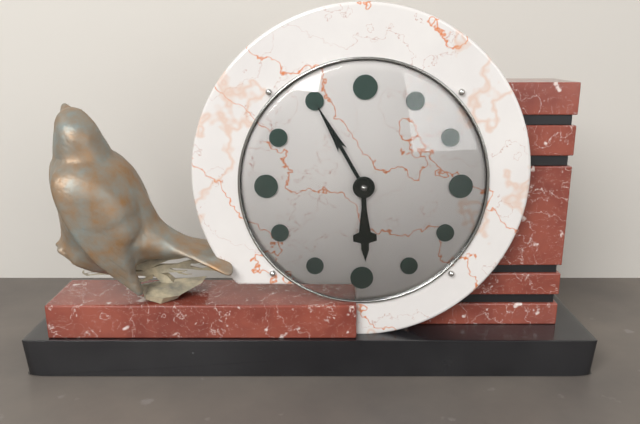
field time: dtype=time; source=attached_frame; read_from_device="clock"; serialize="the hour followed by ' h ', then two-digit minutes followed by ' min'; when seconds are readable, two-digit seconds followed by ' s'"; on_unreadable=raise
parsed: 5 h 55 min
